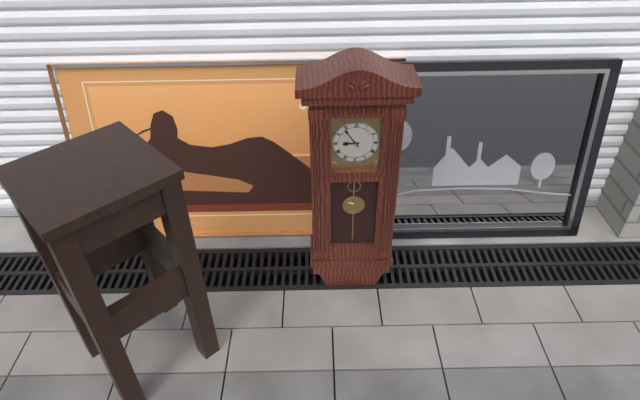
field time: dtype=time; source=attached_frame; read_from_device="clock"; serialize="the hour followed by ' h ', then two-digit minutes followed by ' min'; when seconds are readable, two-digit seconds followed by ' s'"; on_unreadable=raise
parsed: 8 h 54 min
